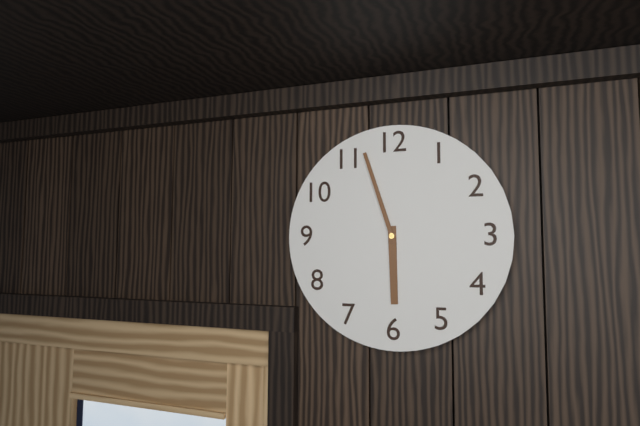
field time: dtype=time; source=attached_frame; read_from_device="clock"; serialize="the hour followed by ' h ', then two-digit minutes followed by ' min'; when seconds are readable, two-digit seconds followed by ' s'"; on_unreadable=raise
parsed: 5 h 57 min
